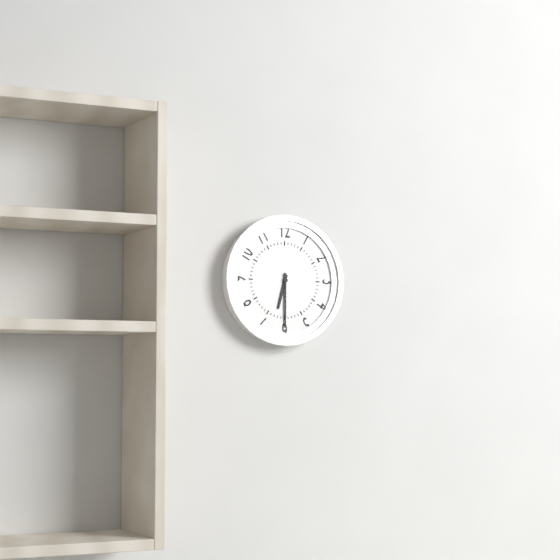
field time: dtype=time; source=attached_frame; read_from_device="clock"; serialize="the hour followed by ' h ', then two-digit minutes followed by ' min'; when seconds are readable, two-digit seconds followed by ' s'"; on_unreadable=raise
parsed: 6 h 30 min
